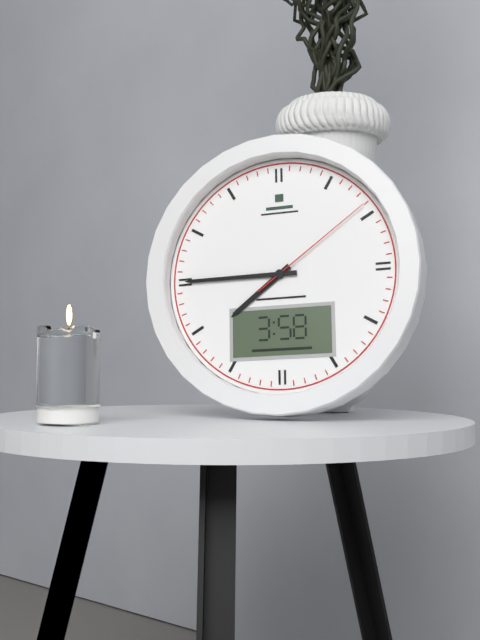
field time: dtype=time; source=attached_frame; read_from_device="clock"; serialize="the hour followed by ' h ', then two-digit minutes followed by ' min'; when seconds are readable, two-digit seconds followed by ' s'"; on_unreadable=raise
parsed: 7 h 45 min 09 s
